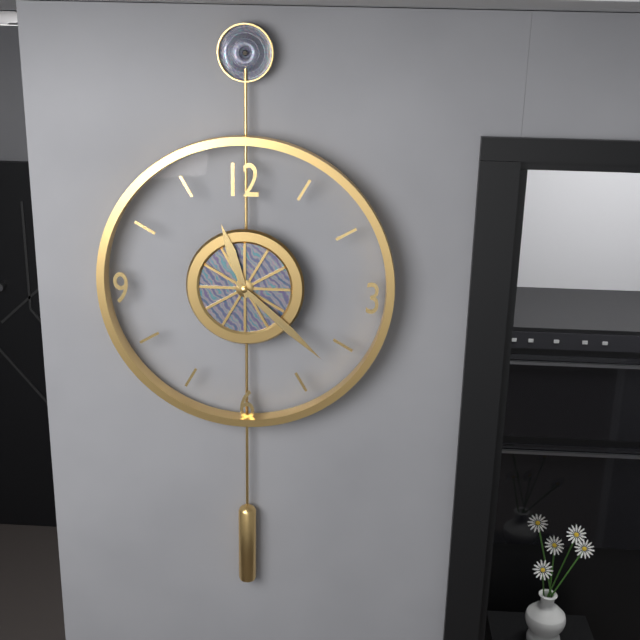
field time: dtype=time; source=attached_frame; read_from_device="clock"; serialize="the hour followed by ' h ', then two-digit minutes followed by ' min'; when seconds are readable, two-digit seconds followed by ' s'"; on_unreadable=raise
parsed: 11 h 22 min
